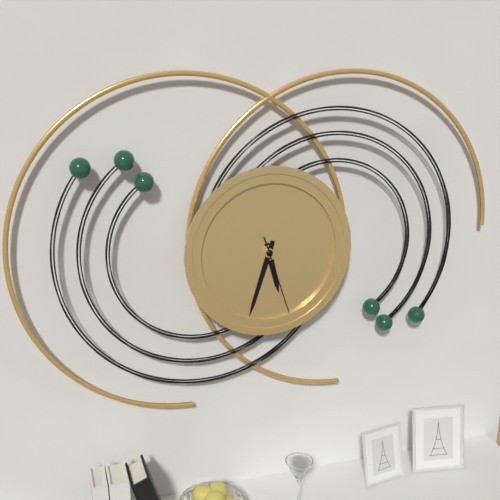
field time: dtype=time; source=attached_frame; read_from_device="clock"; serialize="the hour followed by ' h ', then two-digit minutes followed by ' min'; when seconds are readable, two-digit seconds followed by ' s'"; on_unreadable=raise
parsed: 5 h 33 min 27 s
